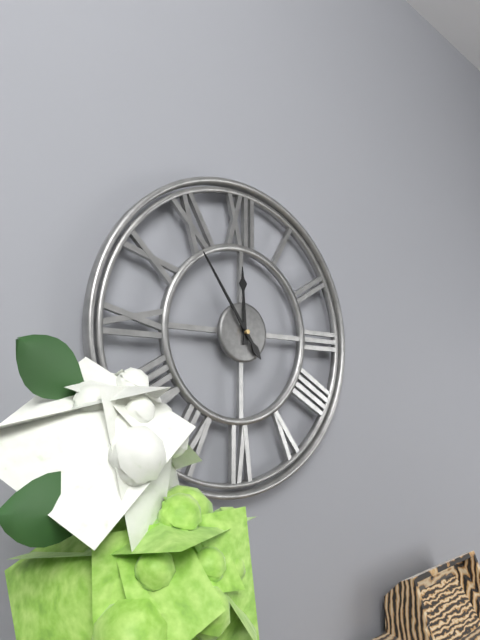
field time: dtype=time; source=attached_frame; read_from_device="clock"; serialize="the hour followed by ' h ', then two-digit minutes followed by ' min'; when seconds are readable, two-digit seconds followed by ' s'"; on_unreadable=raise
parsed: 11 h 54 min
